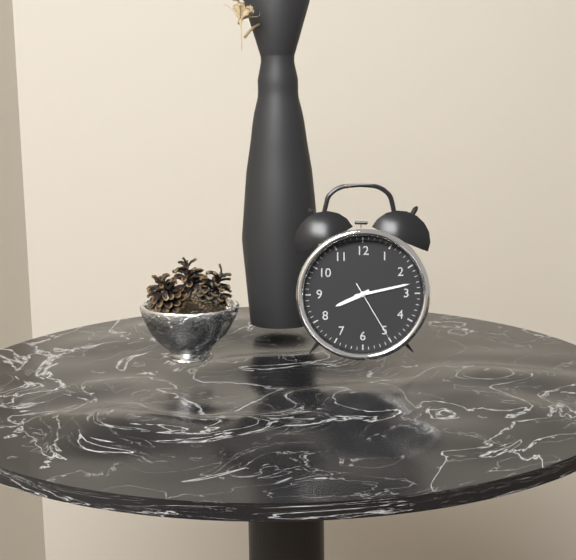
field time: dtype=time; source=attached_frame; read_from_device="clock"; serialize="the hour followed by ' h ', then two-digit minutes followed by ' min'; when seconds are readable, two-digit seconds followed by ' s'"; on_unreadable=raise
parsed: 8 h 13 min 25 s
